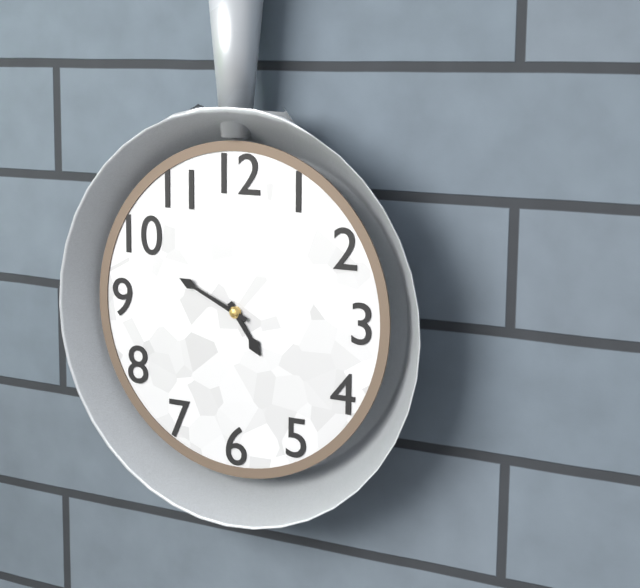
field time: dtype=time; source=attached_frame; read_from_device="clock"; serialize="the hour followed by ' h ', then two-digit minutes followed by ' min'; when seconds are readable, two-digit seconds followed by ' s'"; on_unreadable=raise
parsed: 4 h 49 min
